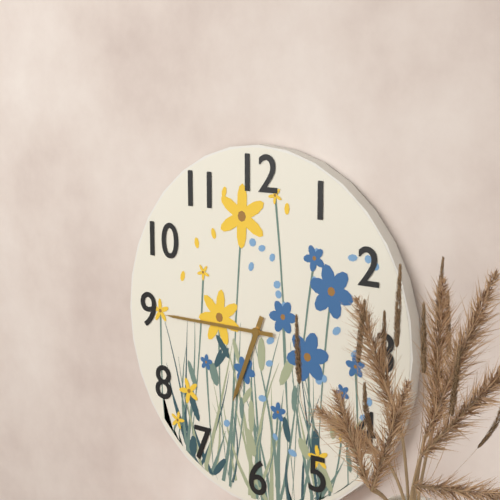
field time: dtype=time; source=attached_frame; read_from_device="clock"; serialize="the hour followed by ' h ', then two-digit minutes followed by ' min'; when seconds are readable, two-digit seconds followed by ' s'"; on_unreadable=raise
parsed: 6 h 45 min
